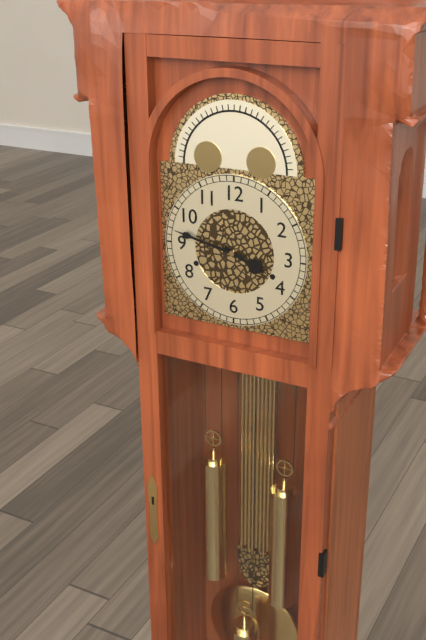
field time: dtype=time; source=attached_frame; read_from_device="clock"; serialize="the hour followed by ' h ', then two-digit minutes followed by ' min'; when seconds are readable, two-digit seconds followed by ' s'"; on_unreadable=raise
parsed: 3 h 47 min
